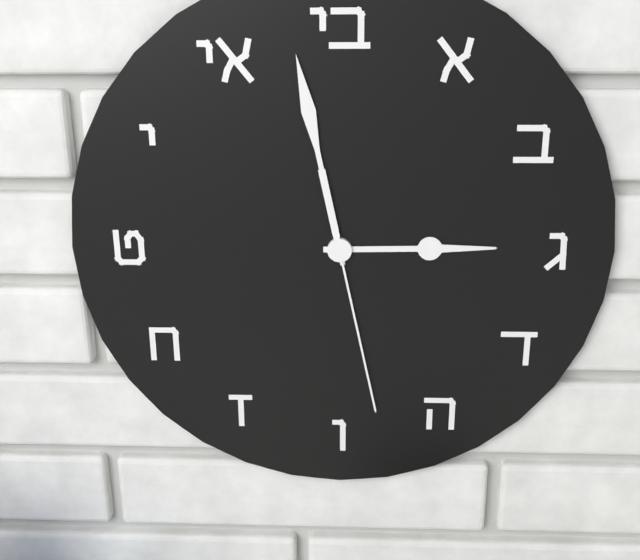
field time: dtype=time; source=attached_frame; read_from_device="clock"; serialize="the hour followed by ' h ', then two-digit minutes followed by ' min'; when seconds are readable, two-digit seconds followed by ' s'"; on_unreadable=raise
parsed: 2 h 58 min 28 s
